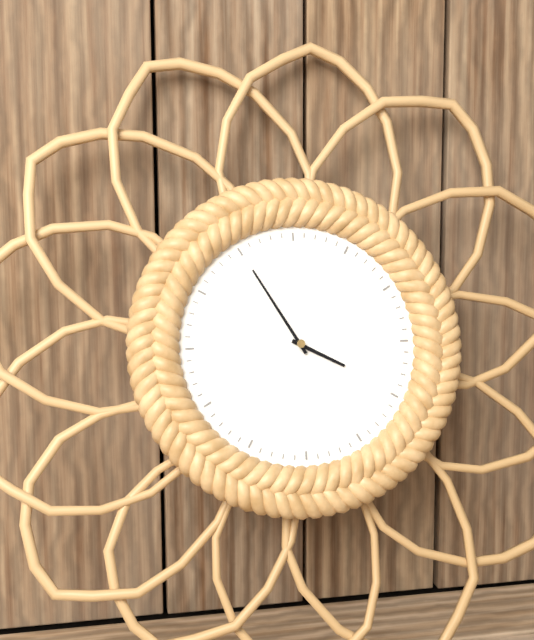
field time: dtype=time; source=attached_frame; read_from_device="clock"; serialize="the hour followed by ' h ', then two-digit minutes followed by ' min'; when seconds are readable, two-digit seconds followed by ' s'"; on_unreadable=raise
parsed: 3 h 55 min
